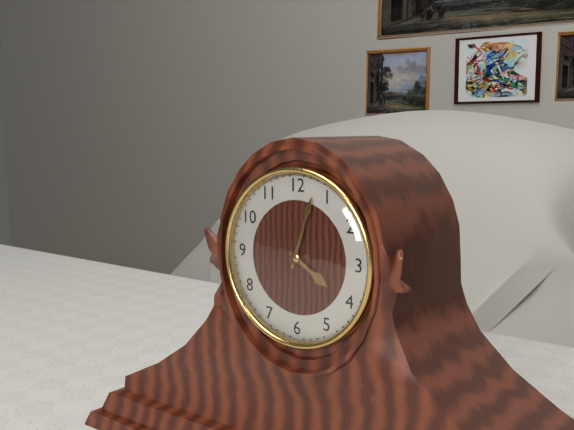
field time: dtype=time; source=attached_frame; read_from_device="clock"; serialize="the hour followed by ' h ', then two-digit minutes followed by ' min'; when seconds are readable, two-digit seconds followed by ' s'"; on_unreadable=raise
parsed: 4 h 03 min
